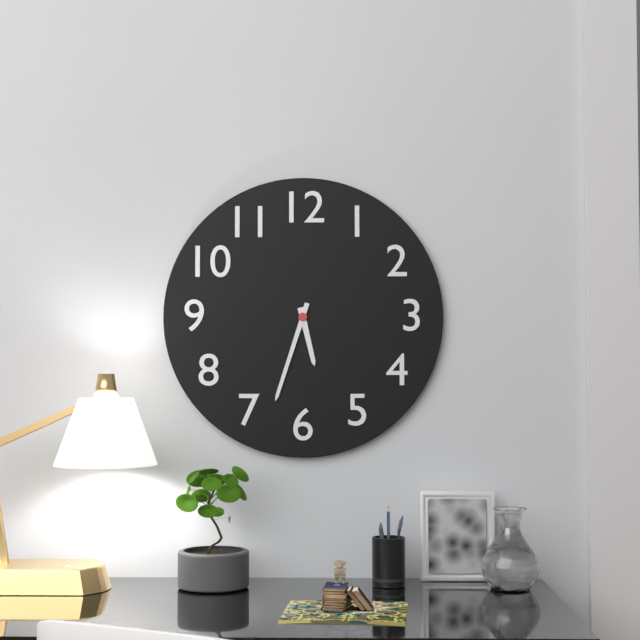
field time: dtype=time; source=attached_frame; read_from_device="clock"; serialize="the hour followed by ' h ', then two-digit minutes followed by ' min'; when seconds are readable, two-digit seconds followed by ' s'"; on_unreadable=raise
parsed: 5 h 33 min
